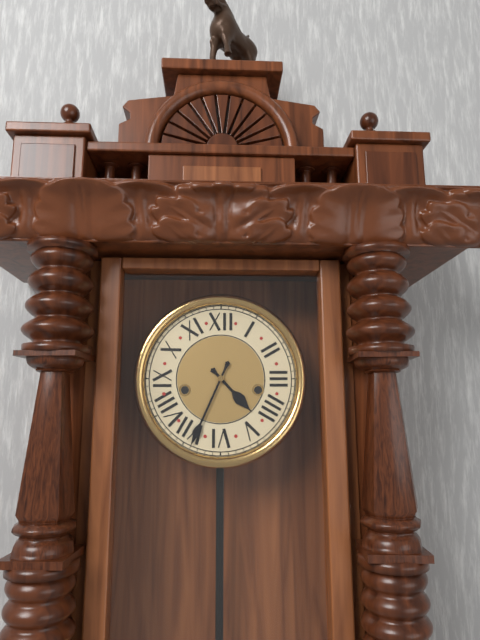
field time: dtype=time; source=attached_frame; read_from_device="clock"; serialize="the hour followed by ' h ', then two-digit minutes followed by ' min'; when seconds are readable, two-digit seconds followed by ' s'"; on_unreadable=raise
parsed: 4 h 34 min
